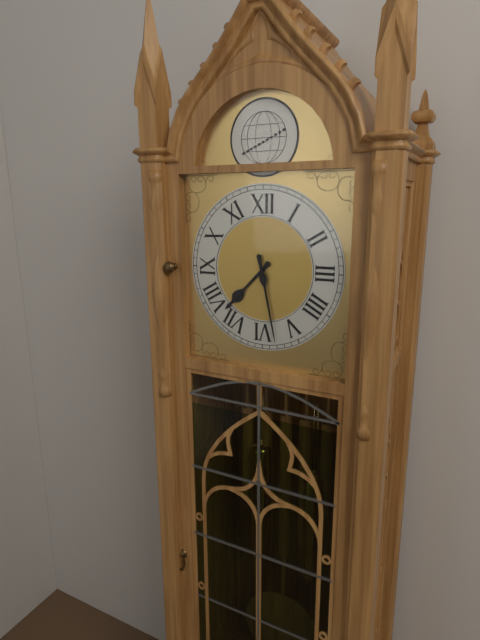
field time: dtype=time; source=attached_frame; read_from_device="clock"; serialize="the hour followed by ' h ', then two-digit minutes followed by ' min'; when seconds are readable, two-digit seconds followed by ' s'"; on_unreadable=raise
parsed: 7 h 28 min
